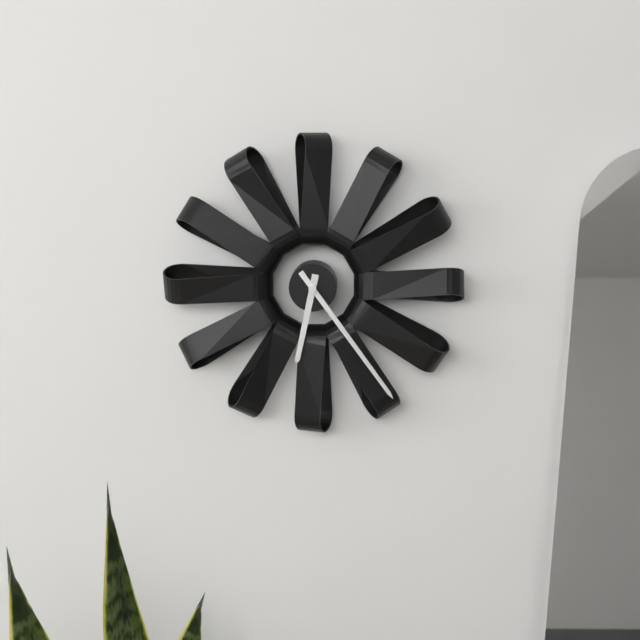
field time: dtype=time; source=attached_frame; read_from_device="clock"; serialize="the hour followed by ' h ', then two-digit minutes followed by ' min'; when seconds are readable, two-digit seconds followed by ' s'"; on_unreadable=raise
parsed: 6 h 24 min
